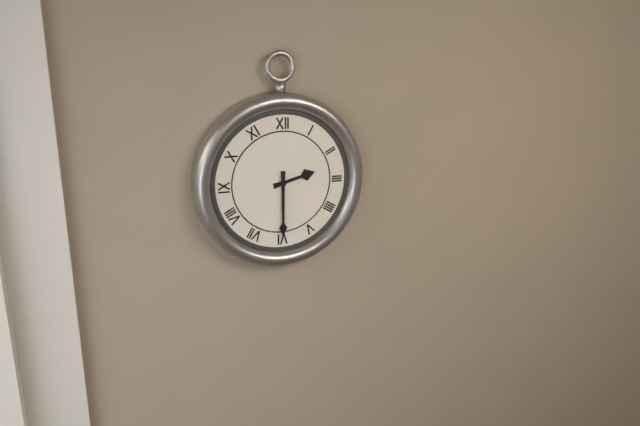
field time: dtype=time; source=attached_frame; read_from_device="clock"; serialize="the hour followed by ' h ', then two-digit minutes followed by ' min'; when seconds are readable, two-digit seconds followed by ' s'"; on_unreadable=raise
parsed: 2 h 30 min
